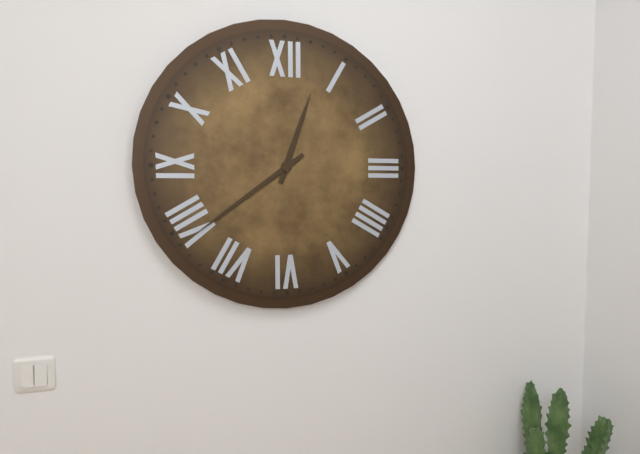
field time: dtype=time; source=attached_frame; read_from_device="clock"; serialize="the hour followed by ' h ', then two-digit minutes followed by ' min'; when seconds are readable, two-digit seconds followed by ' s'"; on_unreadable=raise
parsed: 12 h 39 min
